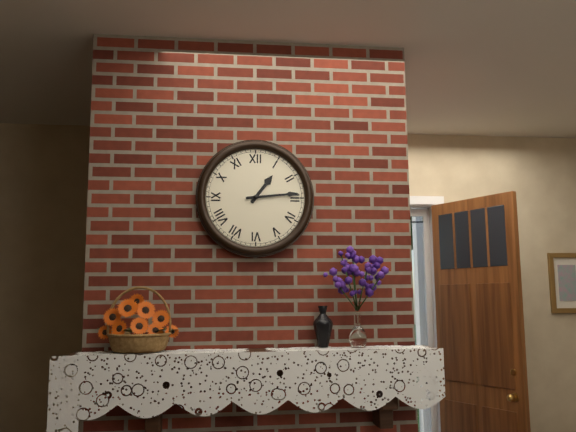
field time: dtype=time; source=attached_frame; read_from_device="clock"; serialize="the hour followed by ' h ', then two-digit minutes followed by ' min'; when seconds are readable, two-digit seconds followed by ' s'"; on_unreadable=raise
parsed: 1 h 14 min
